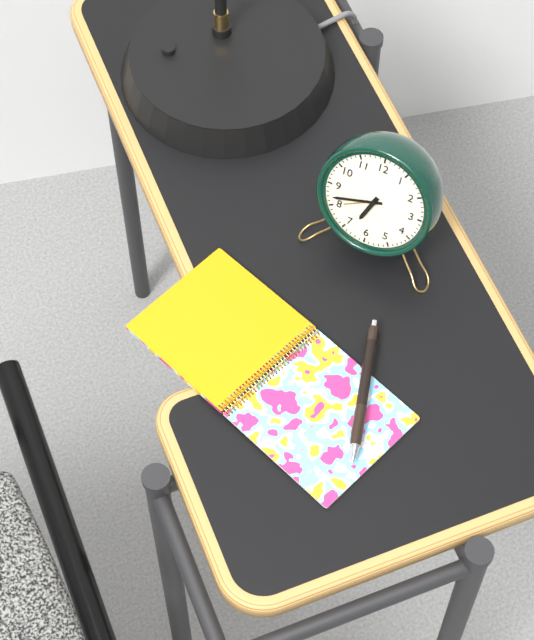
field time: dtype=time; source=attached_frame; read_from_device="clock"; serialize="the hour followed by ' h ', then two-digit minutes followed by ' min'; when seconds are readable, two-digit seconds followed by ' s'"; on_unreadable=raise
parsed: 6 h 42 min
